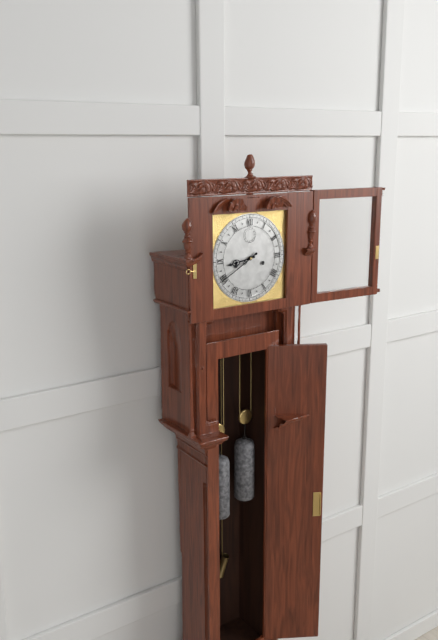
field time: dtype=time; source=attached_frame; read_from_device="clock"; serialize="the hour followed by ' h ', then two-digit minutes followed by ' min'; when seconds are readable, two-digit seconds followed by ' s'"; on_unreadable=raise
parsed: 8 h 40 min
